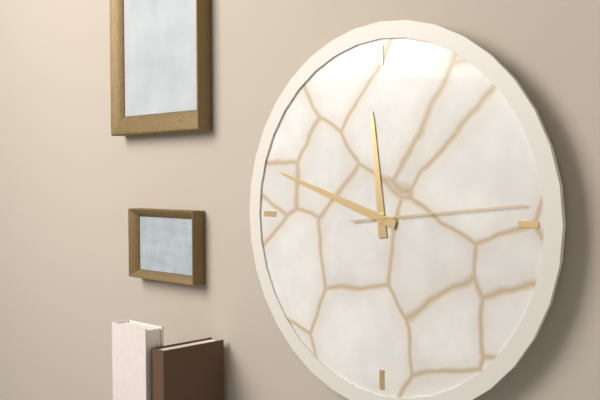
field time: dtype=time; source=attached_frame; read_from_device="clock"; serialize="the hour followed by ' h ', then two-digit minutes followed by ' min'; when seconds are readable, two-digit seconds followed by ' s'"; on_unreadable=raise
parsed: 11 h 48 min 14 s
